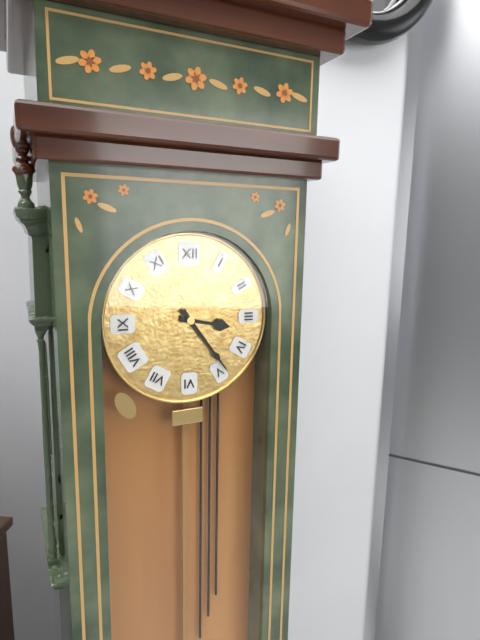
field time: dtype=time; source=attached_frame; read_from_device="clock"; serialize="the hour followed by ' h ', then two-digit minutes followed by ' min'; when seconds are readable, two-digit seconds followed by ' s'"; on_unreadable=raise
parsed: 3 h 24 min
